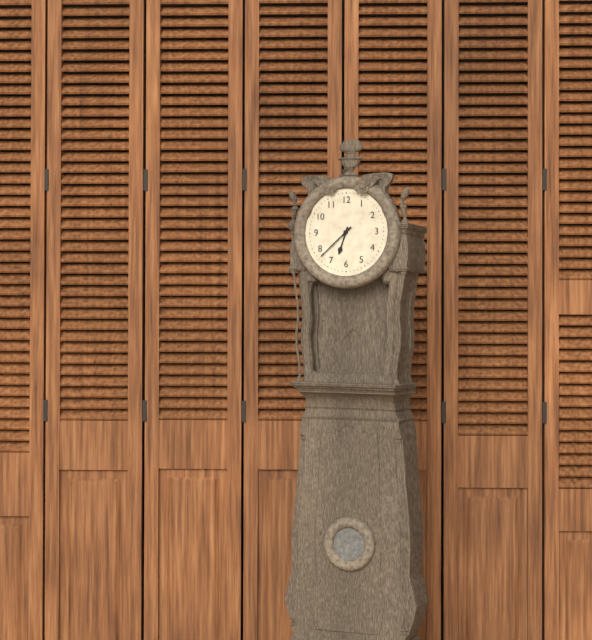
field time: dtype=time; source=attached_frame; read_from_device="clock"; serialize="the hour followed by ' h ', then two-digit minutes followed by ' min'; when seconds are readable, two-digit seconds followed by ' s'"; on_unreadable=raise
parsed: 6 h 38 min
